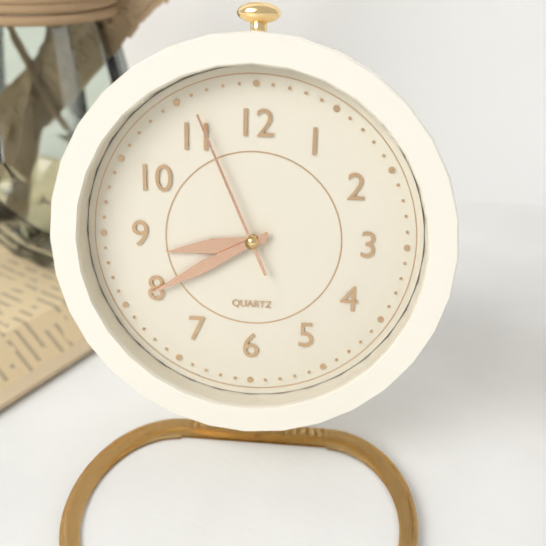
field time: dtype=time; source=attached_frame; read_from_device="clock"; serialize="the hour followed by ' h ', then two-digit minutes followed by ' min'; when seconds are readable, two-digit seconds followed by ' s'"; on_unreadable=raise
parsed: 8 h 40 min 56 s
